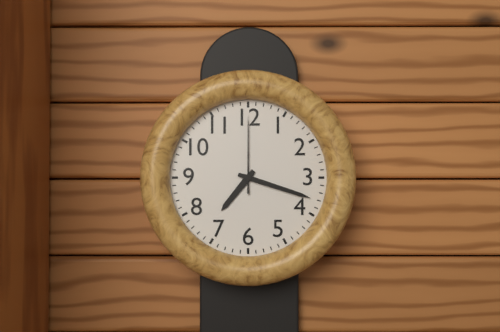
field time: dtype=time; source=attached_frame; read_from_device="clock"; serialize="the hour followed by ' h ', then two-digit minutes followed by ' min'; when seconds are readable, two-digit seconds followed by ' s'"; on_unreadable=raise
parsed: 7 h 18 min 00 s
